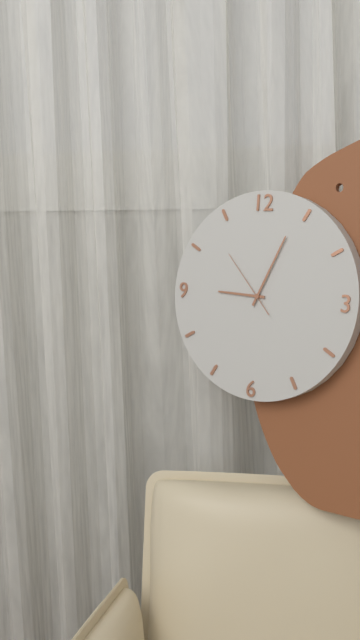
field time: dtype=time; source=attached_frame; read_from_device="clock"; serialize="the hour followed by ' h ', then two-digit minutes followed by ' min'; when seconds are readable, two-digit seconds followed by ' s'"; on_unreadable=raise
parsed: 9 h 04 min 53 s
